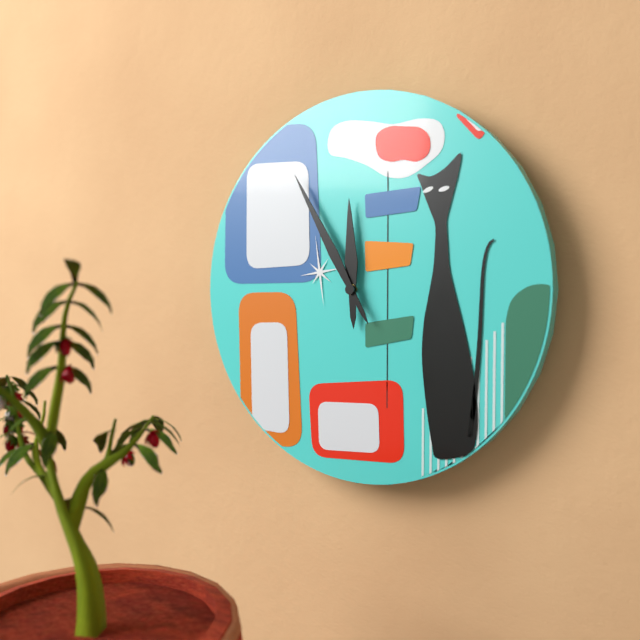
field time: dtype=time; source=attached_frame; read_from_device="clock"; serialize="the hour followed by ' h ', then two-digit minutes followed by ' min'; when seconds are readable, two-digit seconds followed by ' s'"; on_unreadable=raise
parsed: 11 h 55 min
